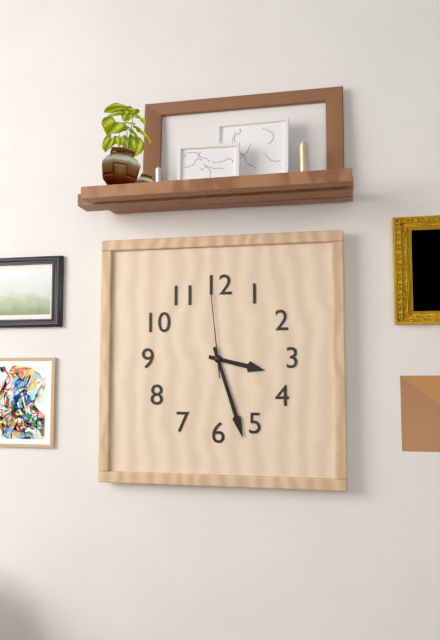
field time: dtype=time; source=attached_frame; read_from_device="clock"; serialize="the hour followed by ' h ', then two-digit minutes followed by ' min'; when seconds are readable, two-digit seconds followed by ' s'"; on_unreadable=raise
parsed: 3 h 27 min 59 s
